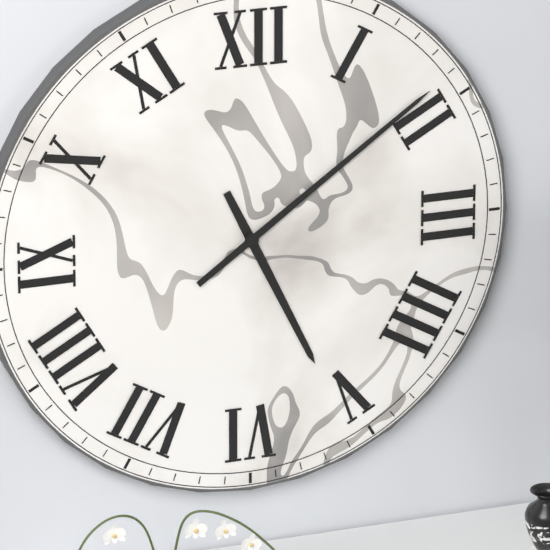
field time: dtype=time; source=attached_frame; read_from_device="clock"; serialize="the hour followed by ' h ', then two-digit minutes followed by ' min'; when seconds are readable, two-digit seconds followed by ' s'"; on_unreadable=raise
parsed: 5 h 09 min
